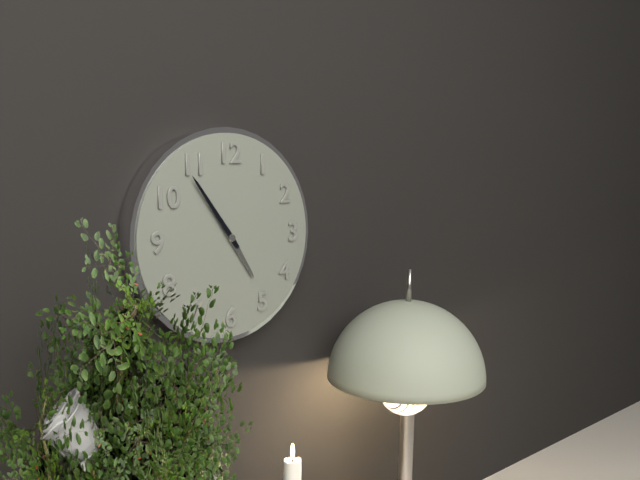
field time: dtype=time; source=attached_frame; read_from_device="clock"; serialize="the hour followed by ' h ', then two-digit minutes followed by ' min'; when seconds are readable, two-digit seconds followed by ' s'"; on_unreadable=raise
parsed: 4 h 54 min
